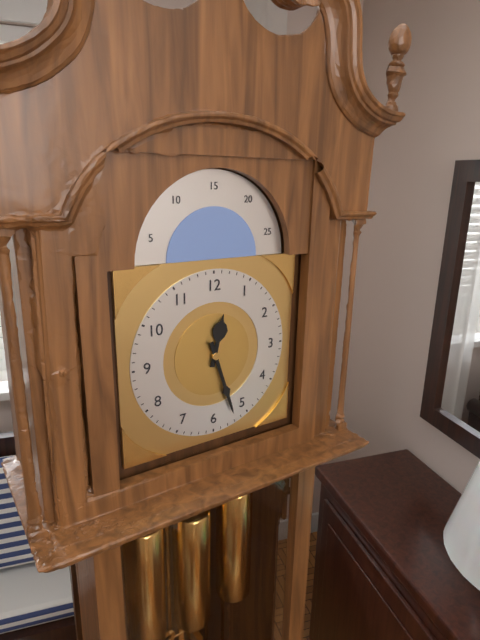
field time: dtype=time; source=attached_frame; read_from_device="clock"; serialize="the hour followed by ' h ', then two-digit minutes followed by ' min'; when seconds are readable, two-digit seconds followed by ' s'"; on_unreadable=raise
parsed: 12 h 27 min
